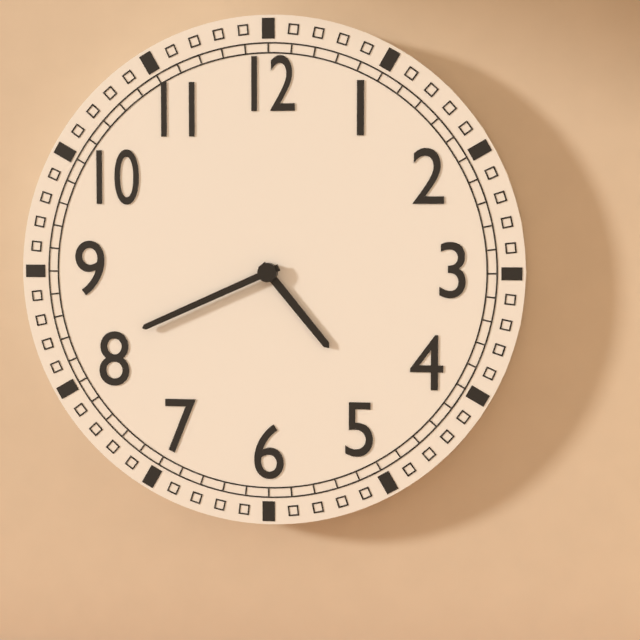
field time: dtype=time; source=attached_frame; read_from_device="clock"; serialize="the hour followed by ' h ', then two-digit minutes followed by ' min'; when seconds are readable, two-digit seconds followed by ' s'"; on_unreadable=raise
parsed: 4 h 41 min
